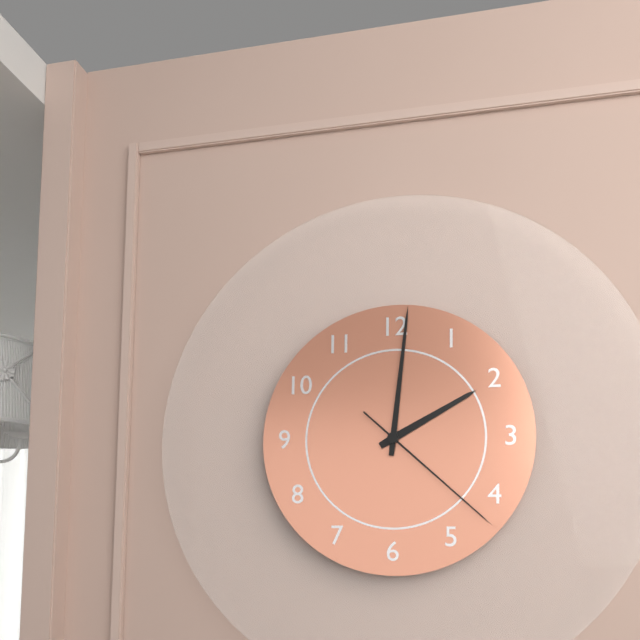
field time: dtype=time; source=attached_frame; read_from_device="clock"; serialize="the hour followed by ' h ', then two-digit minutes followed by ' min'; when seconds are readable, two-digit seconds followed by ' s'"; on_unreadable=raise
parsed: 2 h 01 min 22 s
